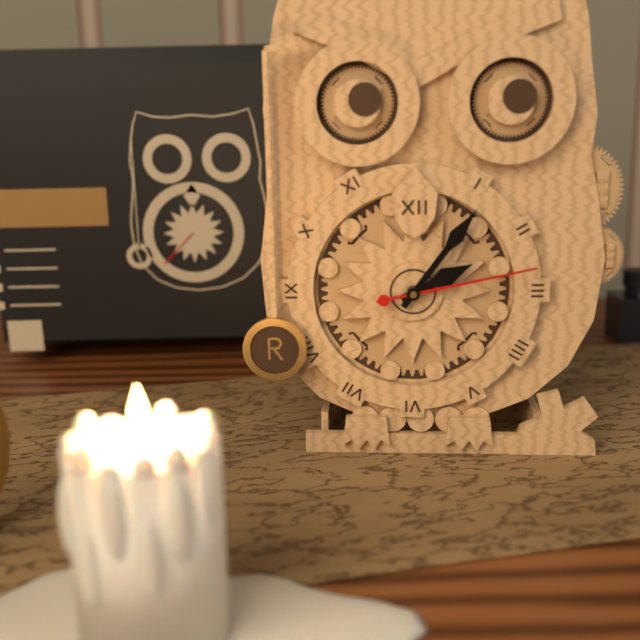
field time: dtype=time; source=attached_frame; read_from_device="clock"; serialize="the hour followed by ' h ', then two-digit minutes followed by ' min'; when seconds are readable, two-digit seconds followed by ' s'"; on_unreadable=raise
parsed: 2 h 06 min 13 s
